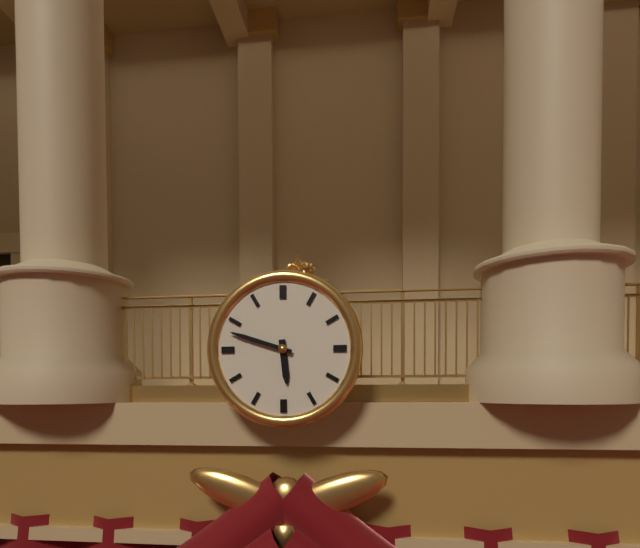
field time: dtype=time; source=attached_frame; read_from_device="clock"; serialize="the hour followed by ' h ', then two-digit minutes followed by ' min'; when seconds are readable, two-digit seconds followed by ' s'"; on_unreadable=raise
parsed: 5 h 48 min
